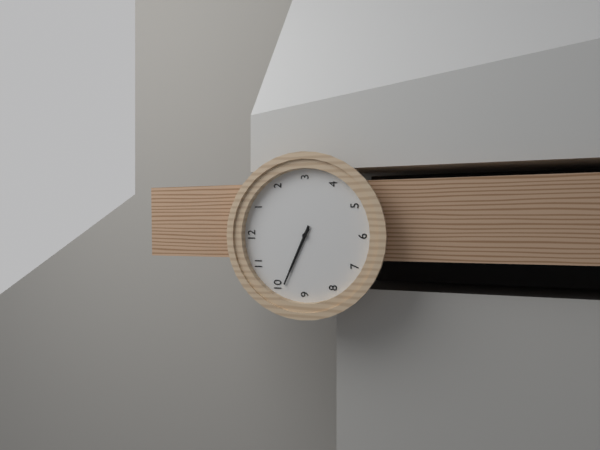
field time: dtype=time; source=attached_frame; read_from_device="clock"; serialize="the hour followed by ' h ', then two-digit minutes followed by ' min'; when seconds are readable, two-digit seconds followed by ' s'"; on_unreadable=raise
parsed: 9 h 49 min
